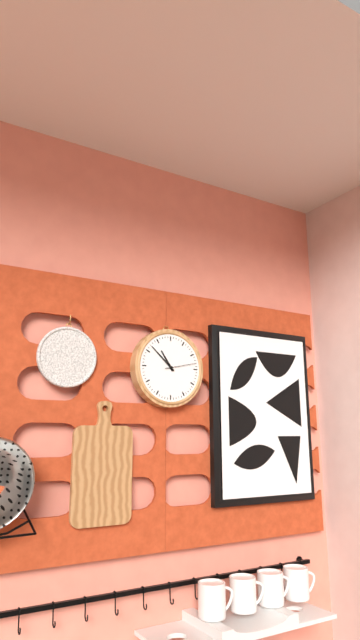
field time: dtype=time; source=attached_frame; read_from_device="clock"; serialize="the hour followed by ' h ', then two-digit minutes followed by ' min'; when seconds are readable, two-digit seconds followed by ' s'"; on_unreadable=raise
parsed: 10 h 52 min
